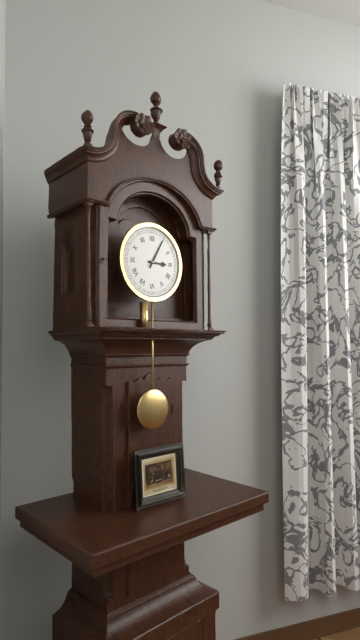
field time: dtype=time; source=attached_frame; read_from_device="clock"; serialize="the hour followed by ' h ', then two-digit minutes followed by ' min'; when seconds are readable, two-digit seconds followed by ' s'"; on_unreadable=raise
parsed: 3 h 05 min
